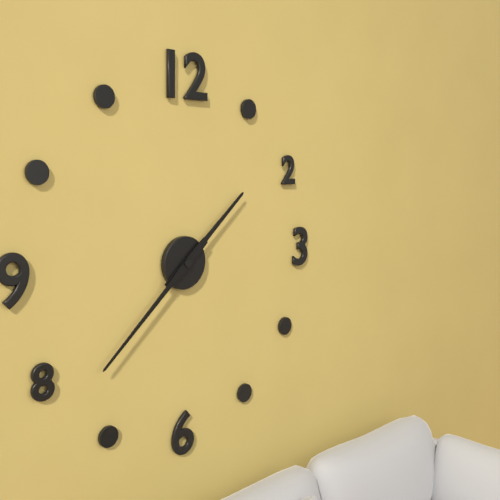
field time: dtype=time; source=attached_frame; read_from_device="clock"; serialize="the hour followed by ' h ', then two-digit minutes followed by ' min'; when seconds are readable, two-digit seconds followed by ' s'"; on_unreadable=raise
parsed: 1 h 38 min
